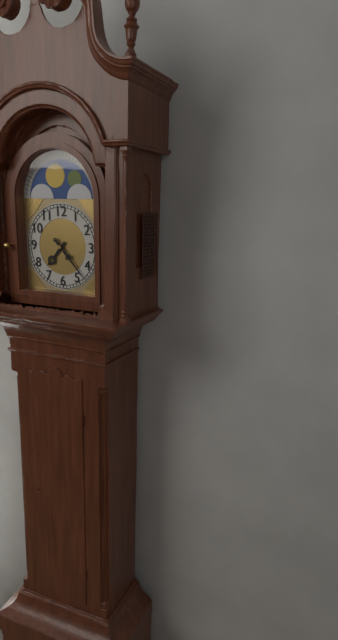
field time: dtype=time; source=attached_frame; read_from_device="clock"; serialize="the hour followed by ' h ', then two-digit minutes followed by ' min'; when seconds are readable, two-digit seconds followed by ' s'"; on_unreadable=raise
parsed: 7 h 23 min
